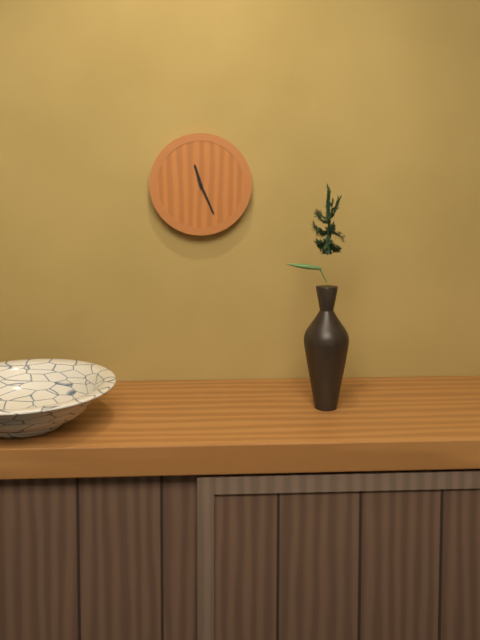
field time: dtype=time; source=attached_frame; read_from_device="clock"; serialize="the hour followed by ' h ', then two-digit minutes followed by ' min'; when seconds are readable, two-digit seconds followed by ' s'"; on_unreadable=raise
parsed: 11 h 26 min
